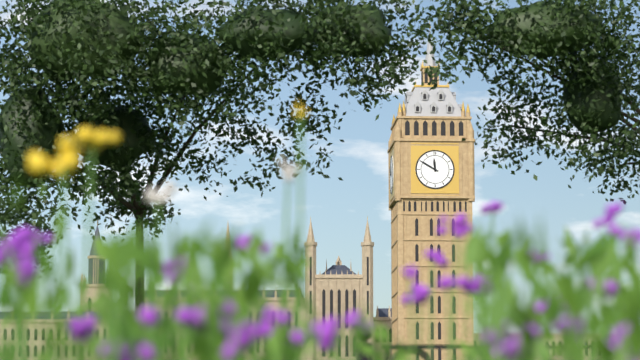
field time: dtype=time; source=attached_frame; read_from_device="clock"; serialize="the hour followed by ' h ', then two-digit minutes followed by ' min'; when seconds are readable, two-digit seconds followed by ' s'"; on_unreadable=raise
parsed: 11 h 50 min
